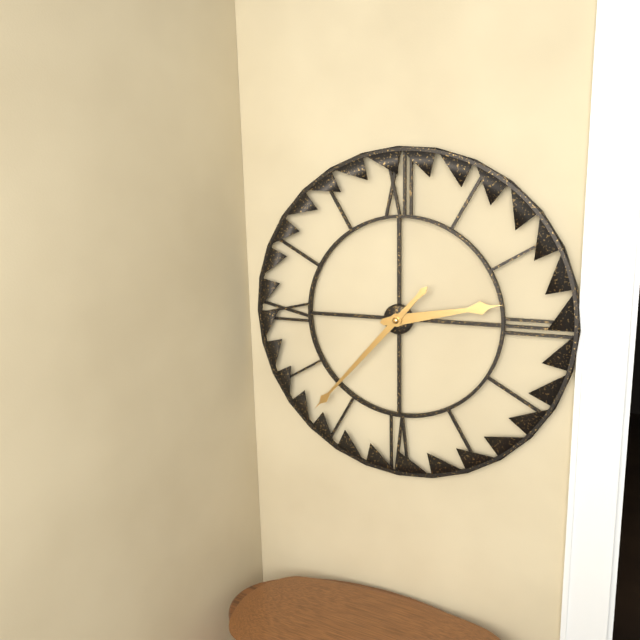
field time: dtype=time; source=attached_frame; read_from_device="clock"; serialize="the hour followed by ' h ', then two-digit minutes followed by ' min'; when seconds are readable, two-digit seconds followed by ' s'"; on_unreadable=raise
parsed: 2 h 37 min
